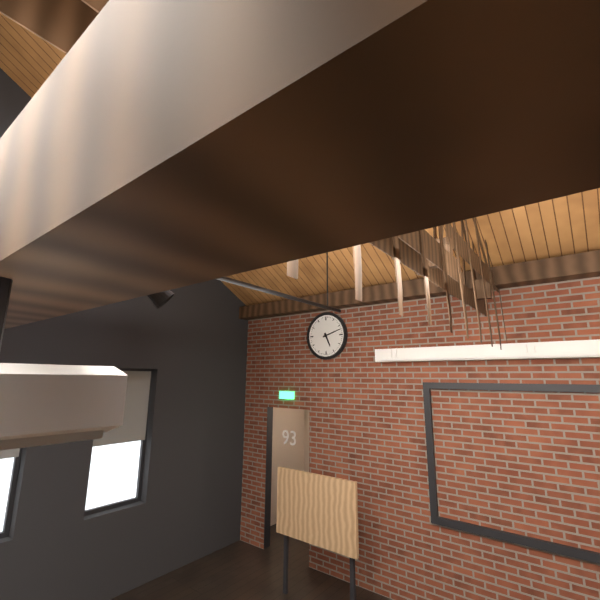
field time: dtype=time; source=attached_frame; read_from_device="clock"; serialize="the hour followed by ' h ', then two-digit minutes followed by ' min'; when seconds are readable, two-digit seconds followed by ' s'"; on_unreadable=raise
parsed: 5 h 12 min
